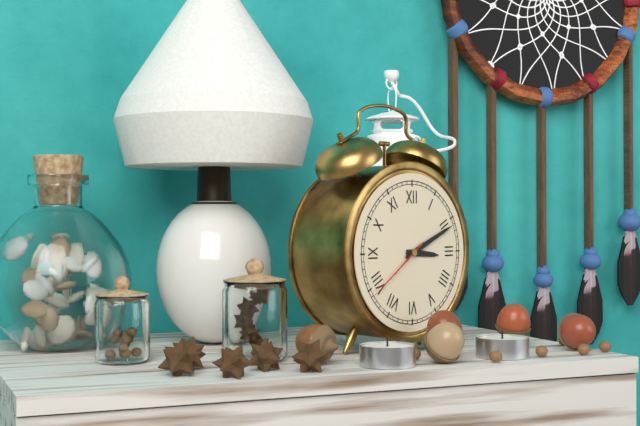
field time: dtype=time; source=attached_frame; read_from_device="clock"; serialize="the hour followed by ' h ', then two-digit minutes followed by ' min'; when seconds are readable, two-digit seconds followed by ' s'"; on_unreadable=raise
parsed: 3 h 11 min 39 s
